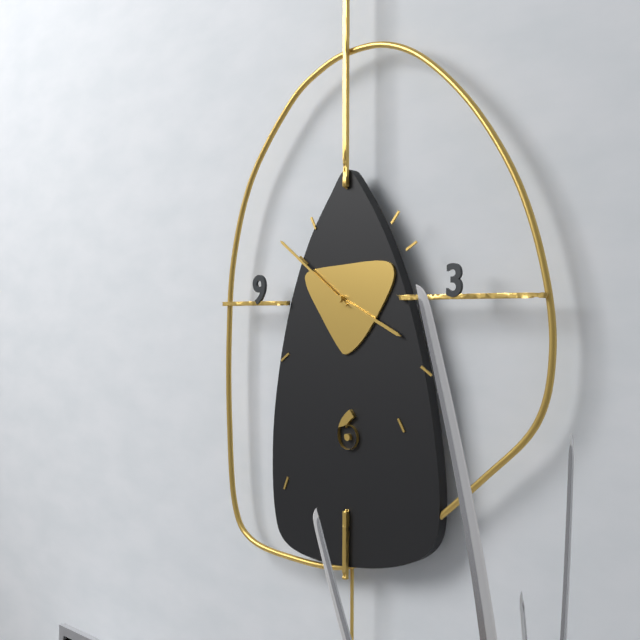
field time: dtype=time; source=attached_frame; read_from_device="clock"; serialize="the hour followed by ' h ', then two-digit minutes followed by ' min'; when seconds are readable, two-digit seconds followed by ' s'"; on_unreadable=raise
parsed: 3 h 51 min
